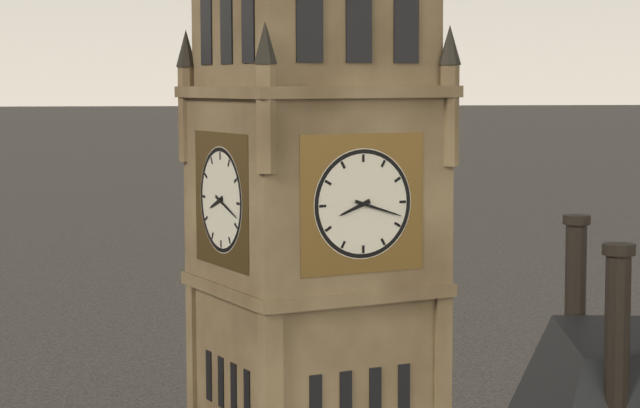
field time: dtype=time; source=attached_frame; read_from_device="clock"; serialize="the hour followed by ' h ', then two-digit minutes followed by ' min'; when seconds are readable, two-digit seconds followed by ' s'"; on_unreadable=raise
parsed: 8 h 18 min
